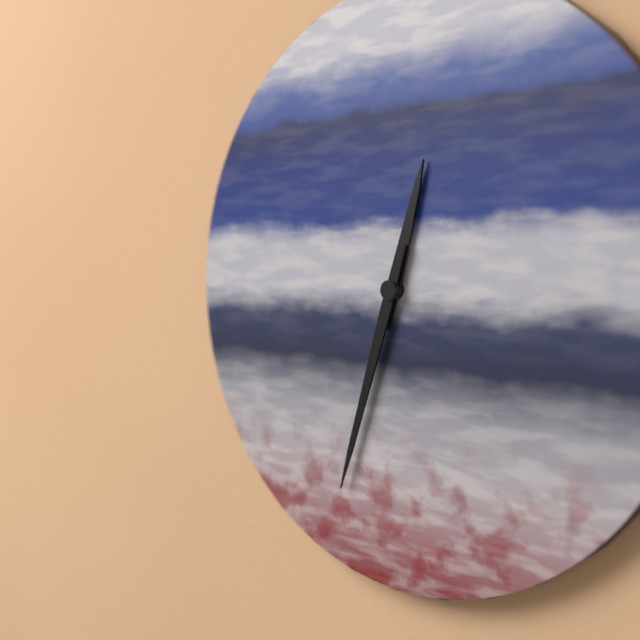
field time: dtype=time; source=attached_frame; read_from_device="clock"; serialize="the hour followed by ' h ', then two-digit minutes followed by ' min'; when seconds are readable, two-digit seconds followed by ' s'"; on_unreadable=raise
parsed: 12 h 33 min
